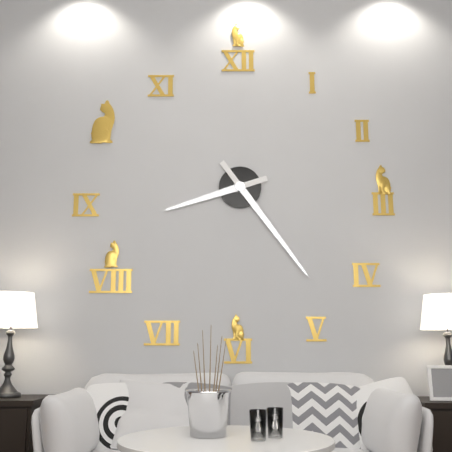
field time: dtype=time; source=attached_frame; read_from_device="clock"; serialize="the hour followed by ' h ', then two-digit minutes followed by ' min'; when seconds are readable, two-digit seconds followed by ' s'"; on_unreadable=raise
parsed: 8 h 24 min
